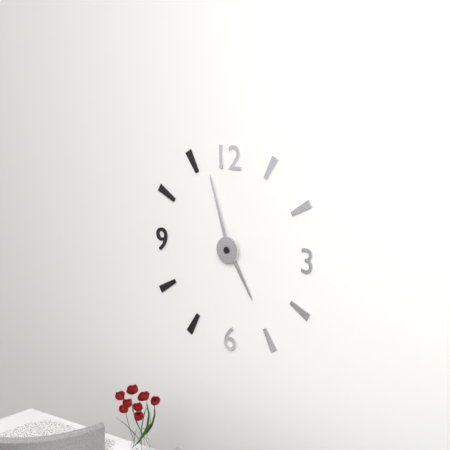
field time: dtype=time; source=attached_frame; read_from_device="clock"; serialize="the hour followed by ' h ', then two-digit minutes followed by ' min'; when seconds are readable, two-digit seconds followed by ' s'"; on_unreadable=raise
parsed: 4 h 57 min
